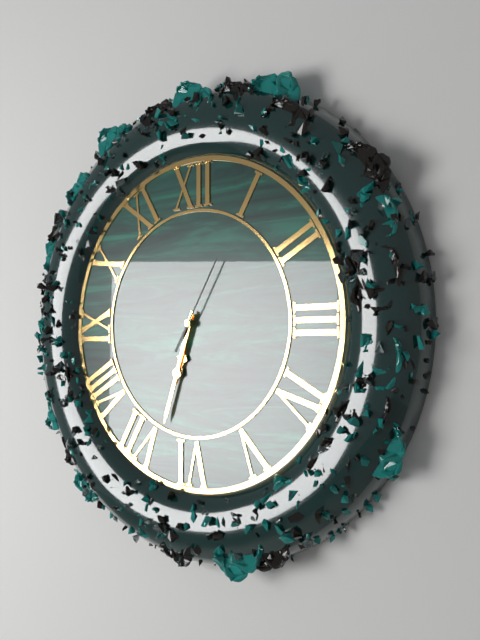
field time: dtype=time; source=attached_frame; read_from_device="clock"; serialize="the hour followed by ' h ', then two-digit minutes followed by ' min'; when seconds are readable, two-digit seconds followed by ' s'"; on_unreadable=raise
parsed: 6 h 33 min 05 s
